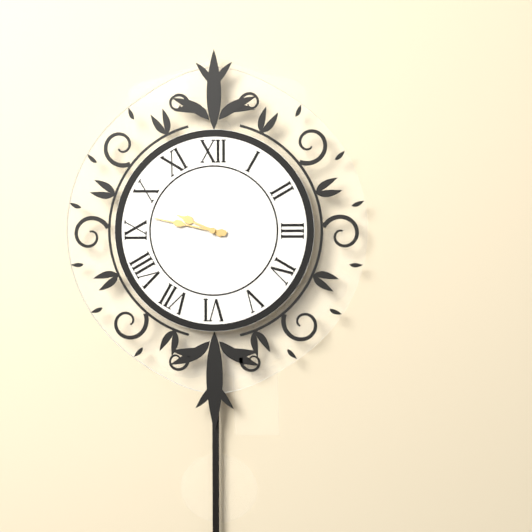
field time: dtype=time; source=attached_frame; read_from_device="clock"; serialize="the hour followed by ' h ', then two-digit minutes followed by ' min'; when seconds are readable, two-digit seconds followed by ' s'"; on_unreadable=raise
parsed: 9 h 47 min
